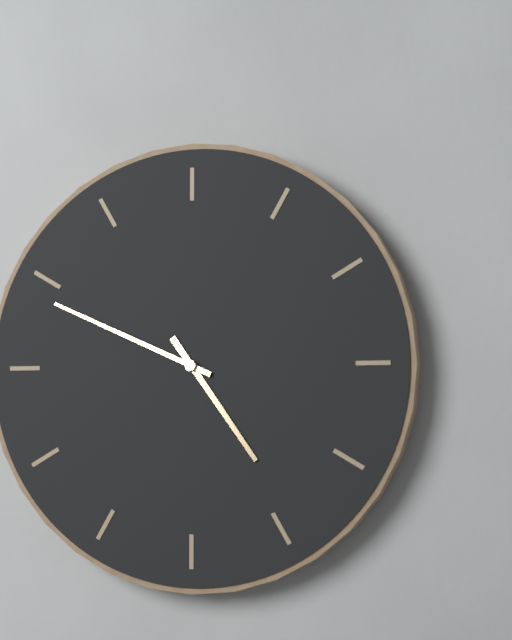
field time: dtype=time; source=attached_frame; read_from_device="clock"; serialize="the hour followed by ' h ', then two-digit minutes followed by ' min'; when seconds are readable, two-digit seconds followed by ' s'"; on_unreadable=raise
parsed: 4 h 49 min
